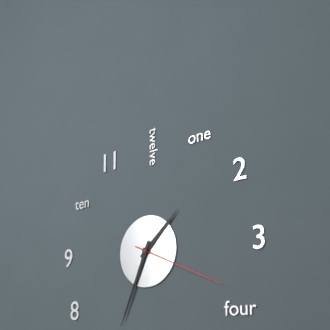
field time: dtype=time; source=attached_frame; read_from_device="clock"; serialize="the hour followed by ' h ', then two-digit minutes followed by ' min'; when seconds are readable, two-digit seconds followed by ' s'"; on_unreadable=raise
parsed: 1 h 34 min 19 s
